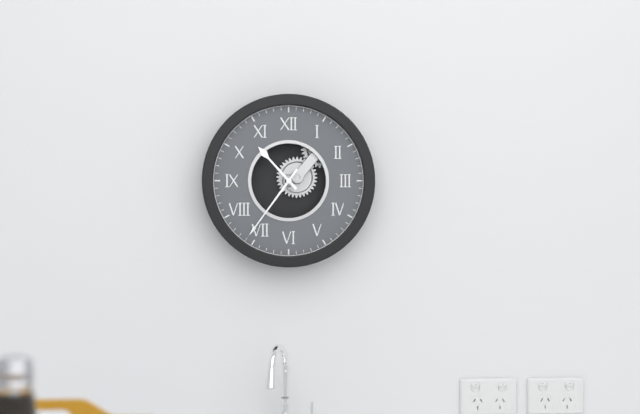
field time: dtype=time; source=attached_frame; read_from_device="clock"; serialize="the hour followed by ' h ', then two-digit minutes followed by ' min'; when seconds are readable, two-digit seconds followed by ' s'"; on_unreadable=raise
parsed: 10 h 36 min
